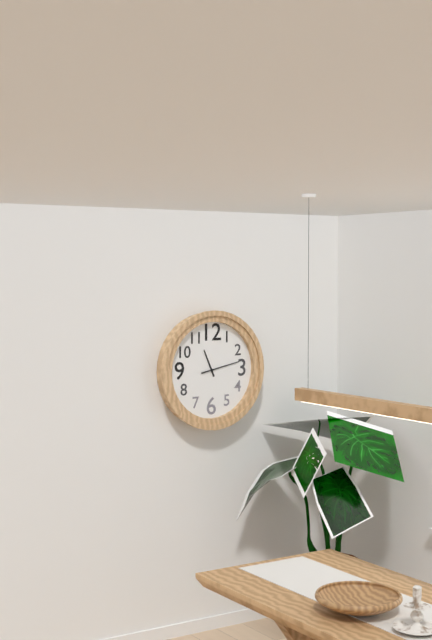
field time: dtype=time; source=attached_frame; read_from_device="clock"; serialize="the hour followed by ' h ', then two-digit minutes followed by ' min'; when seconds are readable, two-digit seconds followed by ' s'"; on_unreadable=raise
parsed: 11 h 13 min
